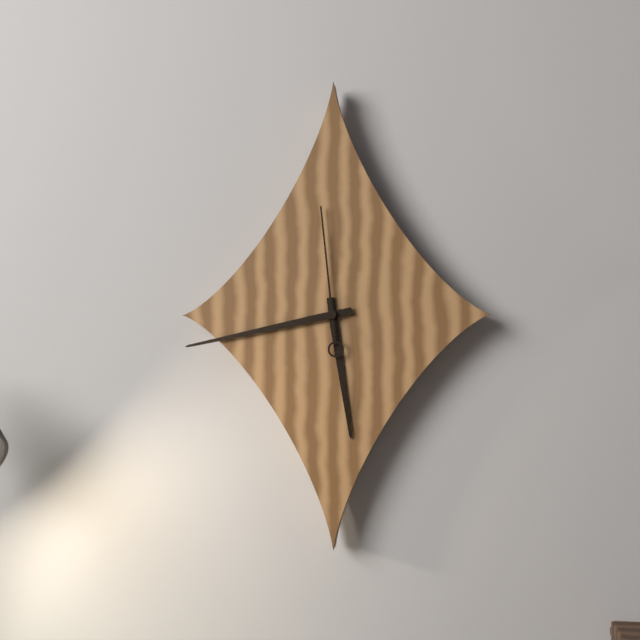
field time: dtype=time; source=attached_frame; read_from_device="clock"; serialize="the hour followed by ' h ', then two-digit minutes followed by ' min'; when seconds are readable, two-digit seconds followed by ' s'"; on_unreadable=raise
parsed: 5 h 43 min 59 s
